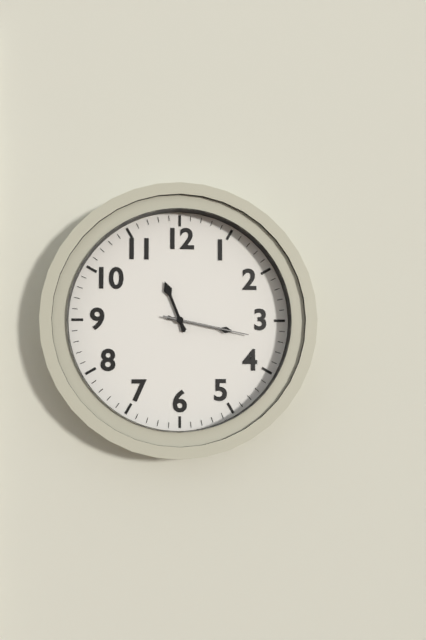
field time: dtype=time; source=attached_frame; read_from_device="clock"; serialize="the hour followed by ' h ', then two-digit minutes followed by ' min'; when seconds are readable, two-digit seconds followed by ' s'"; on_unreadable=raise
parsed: 11 h 17 min 17 s
